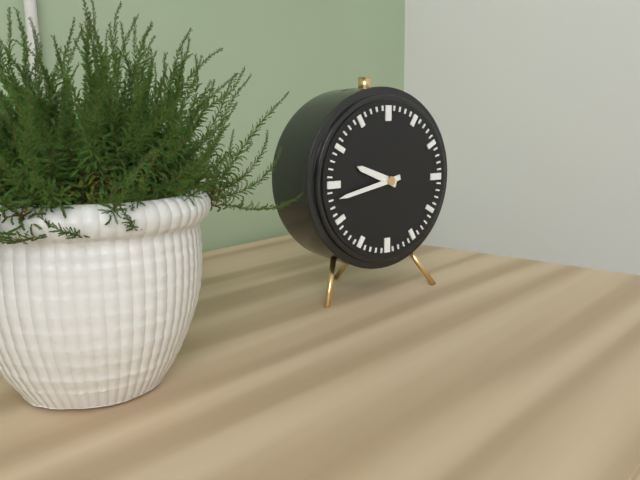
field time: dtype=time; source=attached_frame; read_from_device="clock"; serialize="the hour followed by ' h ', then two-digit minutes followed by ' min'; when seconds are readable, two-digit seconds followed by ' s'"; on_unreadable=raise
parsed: 9 h 43 min
